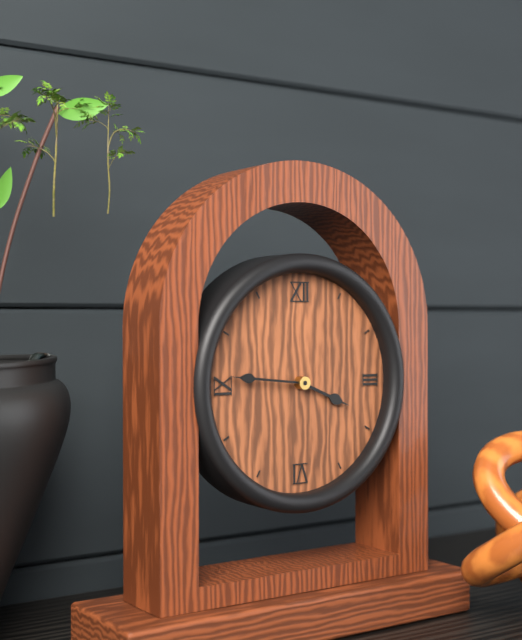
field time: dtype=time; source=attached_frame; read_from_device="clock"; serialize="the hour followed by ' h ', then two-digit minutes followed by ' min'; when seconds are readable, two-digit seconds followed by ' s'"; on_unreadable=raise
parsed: 3 h 46 min
